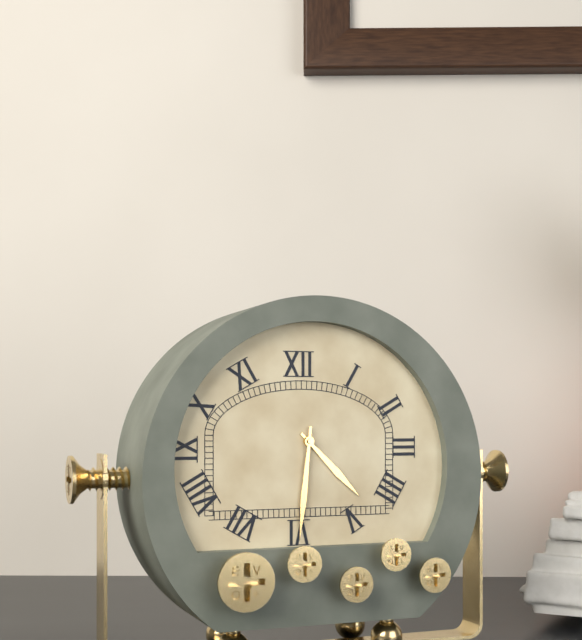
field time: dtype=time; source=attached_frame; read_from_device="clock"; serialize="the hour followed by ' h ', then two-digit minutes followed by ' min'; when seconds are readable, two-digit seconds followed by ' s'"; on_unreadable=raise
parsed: 4 h 31 min
